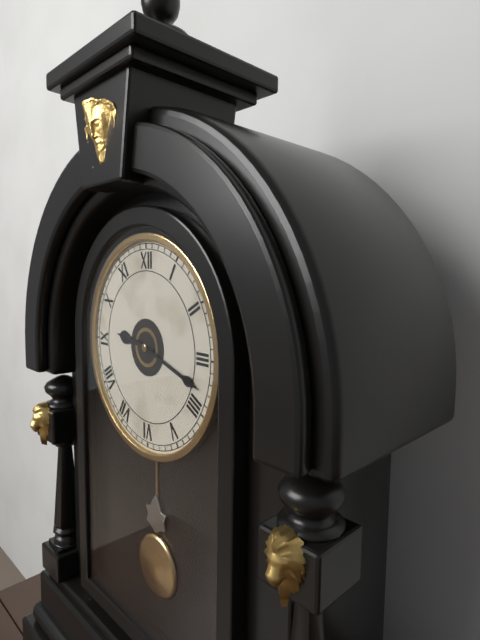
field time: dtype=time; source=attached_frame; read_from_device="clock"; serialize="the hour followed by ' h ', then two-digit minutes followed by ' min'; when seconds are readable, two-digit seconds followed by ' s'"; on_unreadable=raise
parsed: 9 h 18 min
